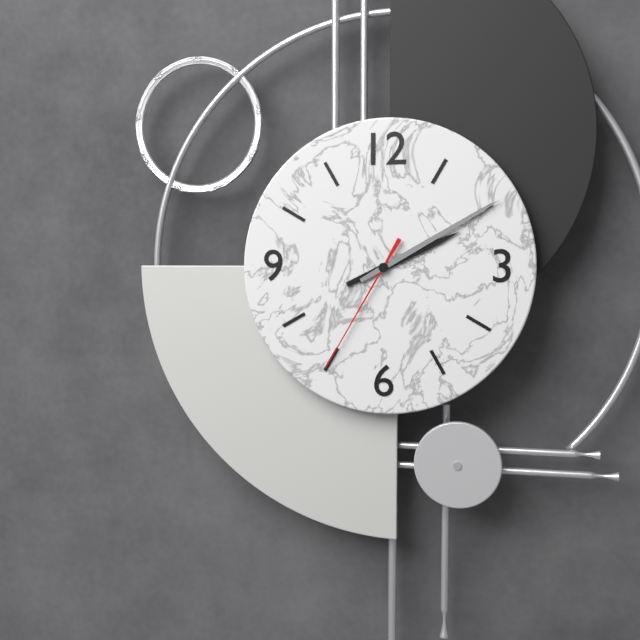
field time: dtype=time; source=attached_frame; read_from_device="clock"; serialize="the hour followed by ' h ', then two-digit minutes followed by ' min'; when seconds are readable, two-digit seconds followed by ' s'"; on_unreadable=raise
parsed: 2 h 10 min 35 s
